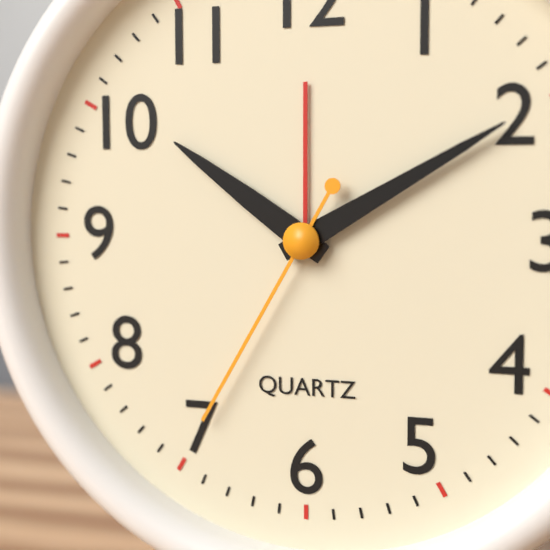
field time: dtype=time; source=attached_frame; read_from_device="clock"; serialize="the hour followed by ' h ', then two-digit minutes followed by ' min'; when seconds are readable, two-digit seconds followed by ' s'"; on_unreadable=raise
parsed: 10 h 10 min 35 s
